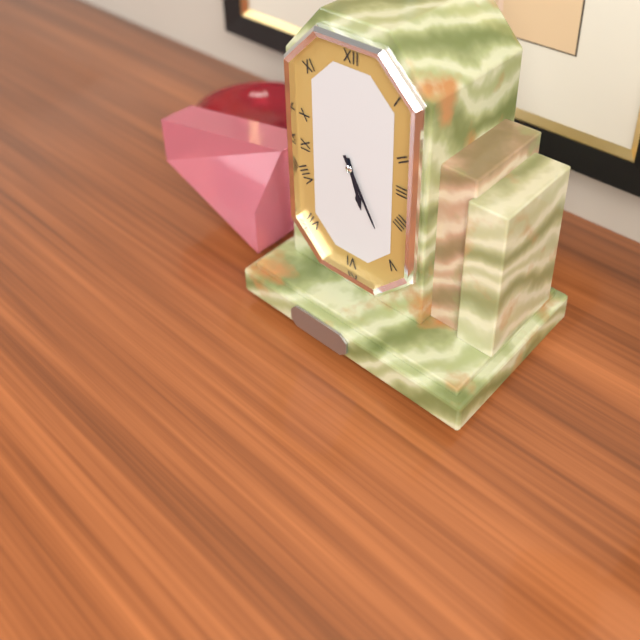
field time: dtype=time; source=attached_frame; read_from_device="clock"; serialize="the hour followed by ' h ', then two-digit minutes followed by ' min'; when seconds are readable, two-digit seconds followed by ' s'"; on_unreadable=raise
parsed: 5 h 25 min
